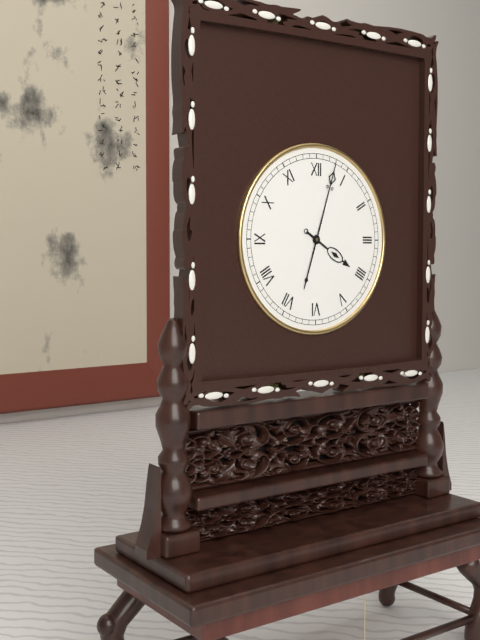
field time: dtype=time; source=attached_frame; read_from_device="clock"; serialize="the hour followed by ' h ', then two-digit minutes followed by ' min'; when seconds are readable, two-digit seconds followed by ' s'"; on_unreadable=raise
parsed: 4 h 03 min
